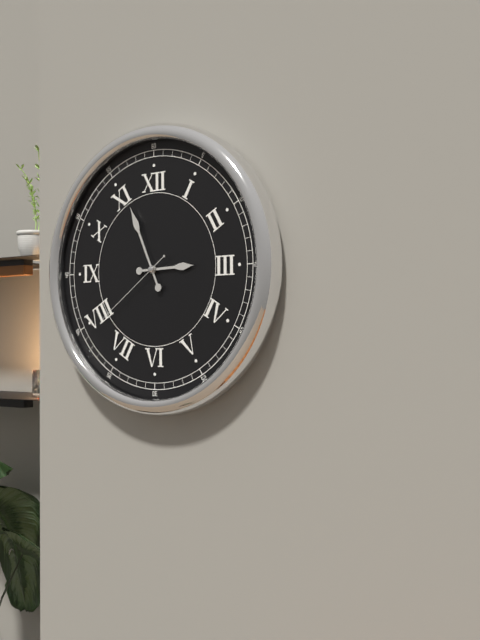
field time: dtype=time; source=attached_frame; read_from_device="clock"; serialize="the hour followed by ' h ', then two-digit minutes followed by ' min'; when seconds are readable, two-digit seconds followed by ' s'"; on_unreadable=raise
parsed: 2 h 56 min 39 s
